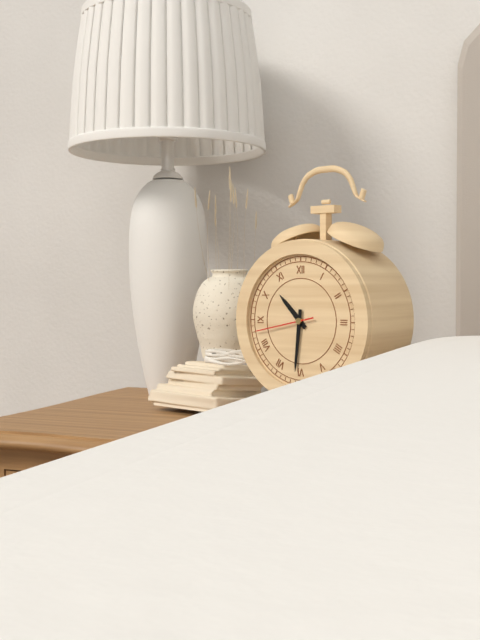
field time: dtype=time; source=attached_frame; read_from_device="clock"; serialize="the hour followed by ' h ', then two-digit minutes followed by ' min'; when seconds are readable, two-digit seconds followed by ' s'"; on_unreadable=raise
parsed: 10 h 31 min 43 s
